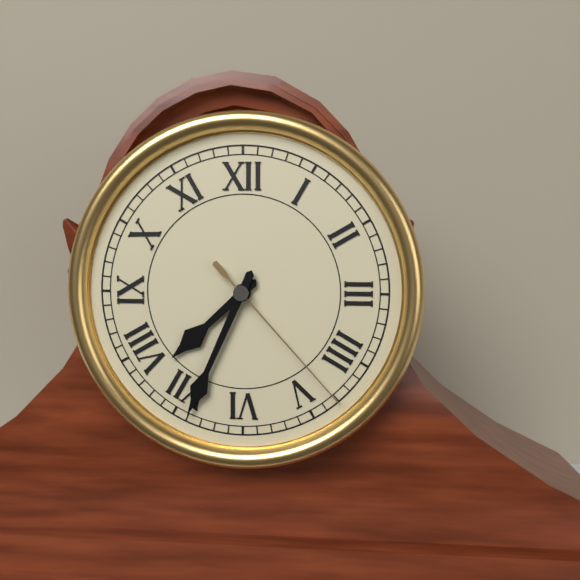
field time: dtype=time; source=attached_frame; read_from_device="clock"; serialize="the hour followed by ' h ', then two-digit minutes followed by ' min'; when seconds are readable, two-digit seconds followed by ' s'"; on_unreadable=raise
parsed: 7 h 34 min 23 s
